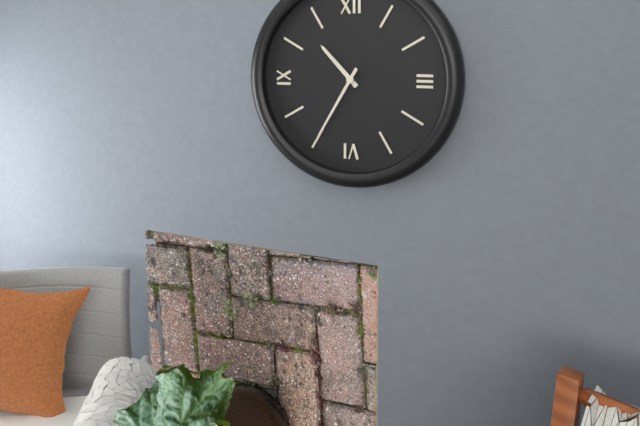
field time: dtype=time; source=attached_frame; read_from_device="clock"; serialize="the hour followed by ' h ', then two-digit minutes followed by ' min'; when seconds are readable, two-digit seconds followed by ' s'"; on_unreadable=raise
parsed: 10 h 35 min
